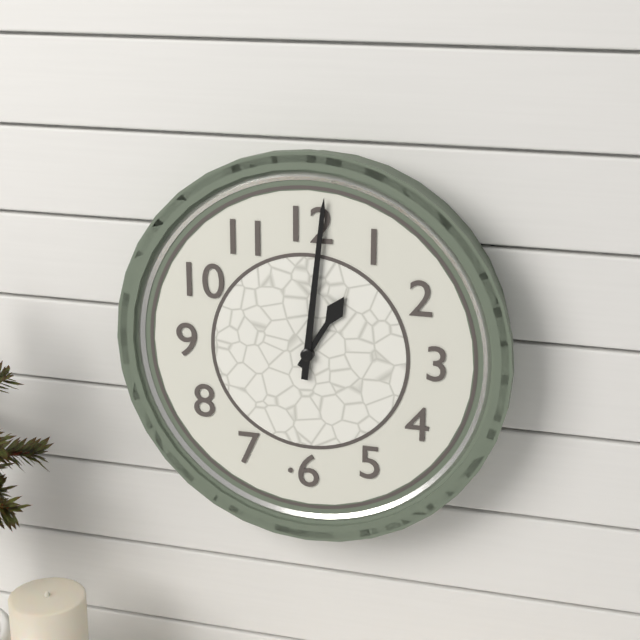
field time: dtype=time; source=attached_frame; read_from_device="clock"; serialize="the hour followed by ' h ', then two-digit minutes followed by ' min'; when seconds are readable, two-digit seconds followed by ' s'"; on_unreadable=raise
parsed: 1 h 01 min
